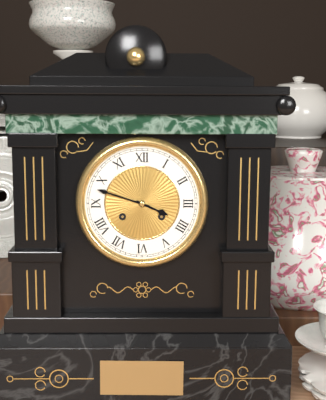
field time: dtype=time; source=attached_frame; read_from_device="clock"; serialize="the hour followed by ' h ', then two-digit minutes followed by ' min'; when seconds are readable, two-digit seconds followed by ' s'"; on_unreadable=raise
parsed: 3 h 48 min
